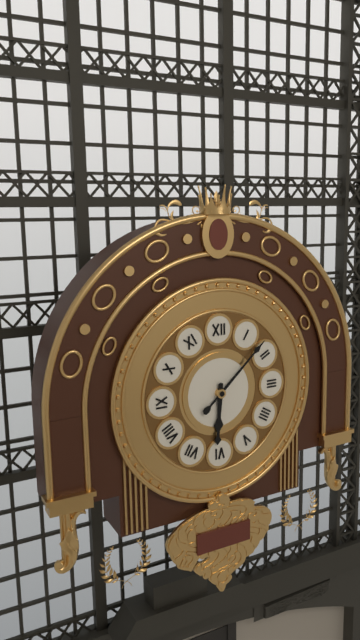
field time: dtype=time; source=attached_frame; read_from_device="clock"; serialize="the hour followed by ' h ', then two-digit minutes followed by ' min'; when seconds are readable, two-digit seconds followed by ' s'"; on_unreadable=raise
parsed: 6 h 08 min
